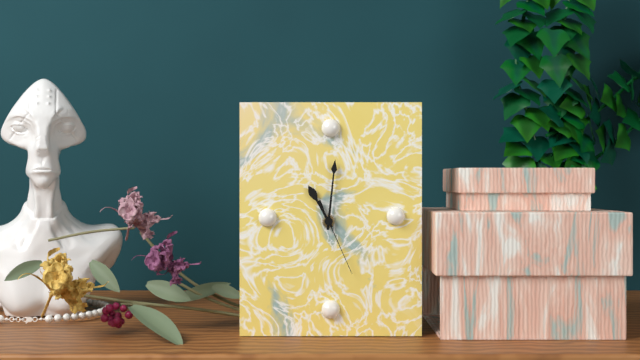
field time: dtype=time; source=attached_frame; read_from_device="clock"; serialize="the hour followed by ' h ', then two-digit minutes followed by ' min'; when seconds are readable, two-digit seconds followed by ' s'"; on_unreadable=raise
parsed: 11 h 01 min 26 s
